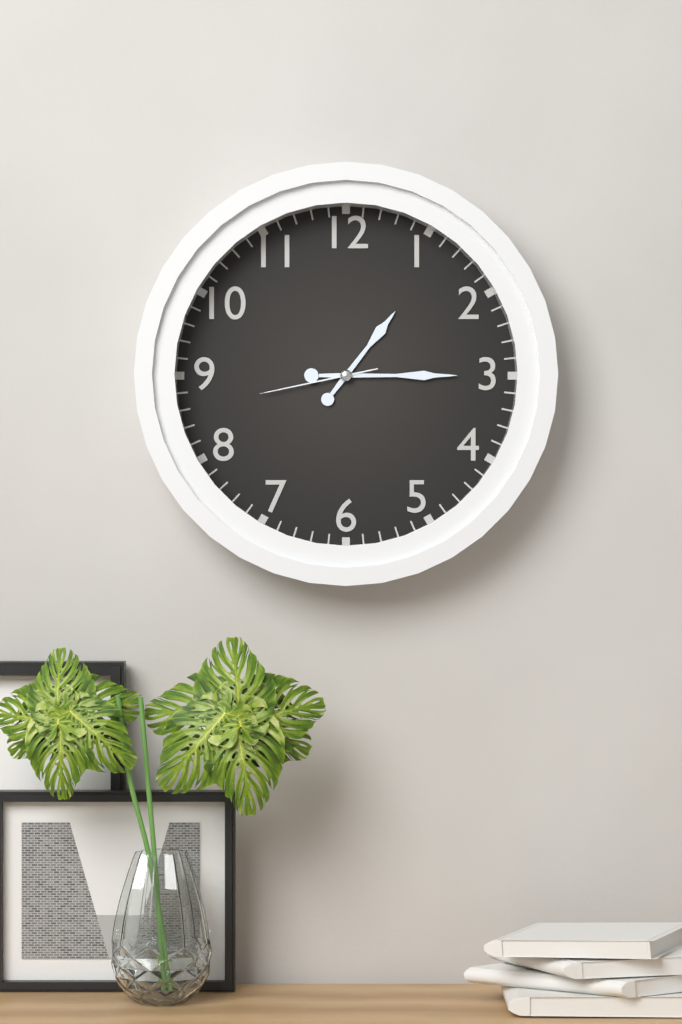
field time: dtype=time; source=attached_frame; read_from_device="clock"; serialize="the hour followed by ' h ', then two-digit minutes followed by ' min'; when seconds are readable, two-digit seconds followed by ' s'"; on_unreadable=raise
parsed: 1 h 15 min 43 s
